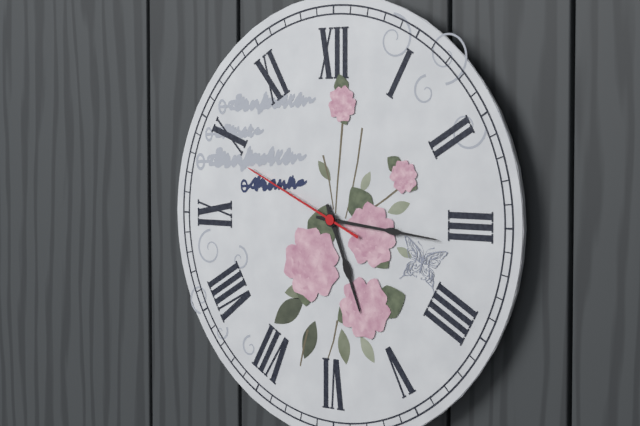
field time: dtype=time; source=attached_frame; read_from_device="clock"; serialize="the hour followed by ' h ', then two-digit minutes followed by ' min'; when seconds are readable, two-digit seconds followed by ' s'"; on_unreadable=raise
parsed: 5 h 16 min 49 s
